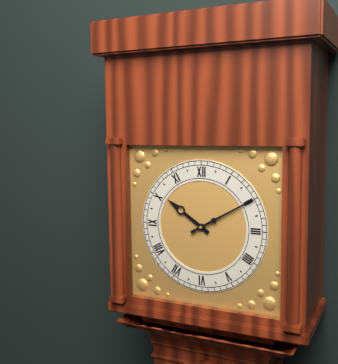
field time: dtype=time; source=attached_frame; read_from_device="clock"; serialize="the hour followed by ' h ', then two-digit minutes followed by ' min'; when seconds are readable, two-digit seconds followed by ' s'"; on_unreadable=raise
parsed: 10 h 10 min
